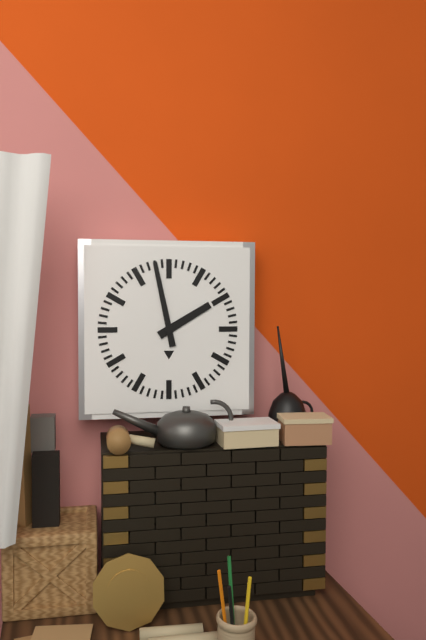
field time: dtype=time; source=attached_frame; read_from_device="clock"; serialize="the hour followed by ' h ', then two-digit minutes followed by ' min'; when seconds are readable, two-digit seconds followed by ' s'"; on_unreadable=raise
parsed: 1 h 58 min
